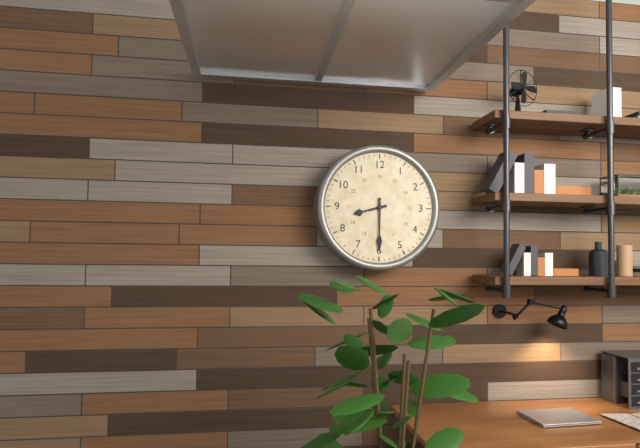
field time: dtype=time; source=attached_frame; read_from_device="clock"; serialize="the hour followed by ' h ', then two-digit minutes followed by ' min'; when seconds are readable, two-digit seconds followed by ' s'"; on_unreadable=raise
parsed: 8 h 30 min
